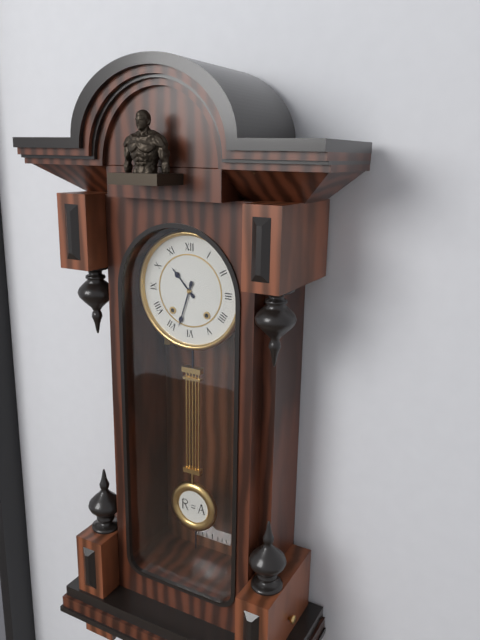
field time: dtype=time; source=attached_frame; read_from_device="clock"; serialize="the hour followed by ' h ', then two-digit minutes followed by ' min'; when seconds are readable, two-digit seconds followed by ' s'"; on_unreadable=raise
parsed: 10 h 33 min
